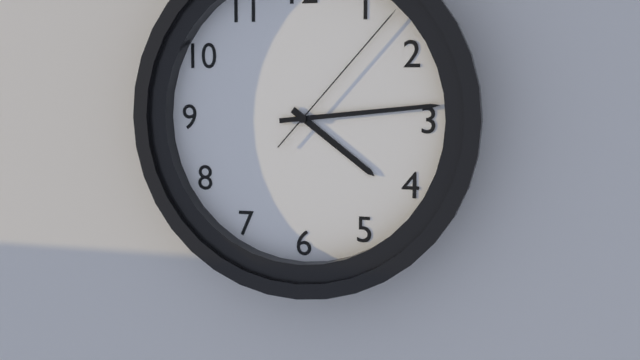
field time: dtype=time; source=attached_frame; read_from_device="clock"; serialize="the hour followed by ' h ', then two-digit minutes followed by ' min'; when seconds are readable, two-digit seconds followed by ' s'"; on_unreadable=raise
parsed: 4 h 14 min 07 s
